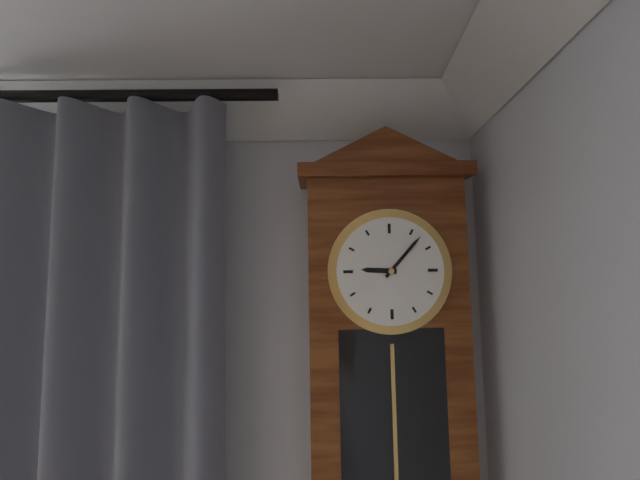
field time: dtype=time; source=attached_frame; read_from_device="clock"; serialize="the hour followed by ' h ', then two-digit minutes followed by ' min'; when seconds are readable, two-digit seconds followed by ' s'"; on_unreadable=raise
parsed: 9 h 07 min
